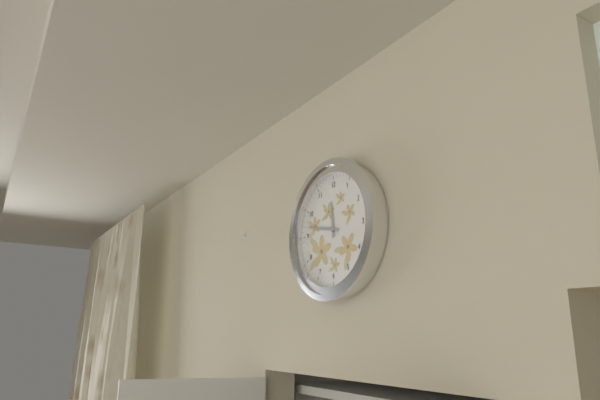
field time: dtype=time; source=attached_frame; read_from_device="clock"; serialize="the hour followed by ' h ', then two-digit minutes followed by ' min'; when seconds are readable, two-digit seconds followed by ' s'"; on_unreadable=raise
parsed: 11 h 47 min
